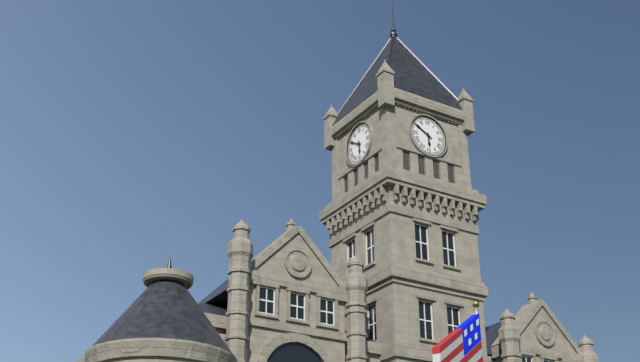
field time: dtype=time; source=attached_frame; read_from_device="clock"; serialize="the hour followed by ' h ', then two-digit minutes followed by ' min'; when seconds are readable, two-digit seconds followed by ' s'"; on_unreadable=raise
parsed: 5 h 50 min
